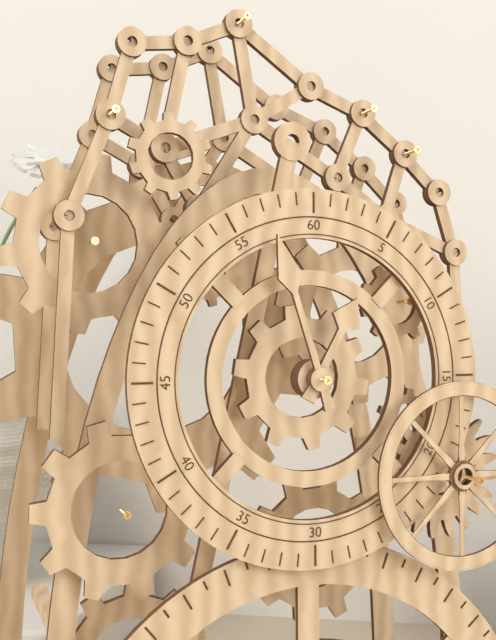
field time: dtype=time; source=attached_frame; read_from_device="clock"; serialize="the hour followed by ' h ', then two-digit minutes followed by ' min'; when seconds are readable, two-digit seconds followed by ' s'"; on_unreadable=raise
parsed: 12 h 57 min
